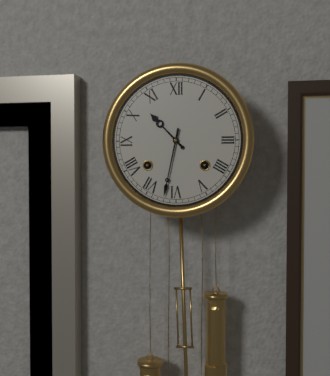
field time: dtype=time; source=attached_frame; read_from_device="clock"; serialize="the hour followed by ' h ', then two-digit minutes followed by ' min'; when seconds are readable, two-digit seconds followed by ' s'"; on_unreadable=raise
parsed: 10 h 32 min
